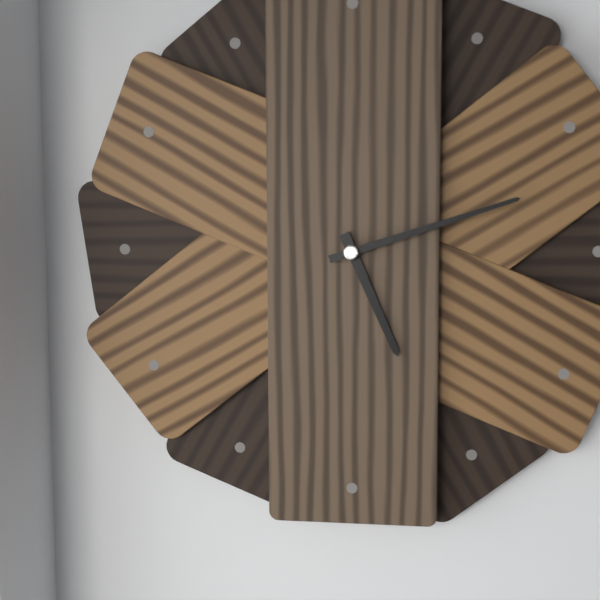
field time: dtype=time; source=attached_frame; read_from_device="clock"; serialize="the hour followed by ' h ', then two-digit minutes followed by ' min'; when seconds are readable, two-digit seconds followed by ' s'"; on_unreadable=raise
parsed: 5 h 12 min
